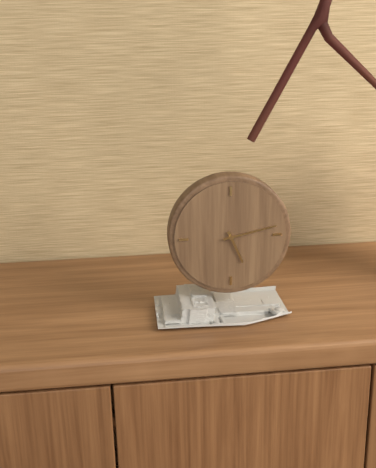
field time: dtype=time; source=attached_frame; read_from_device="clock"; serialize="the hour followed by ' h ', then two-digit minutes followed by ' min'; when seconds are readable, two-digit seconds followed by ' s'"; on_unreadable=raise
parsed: 5 h 13 min
